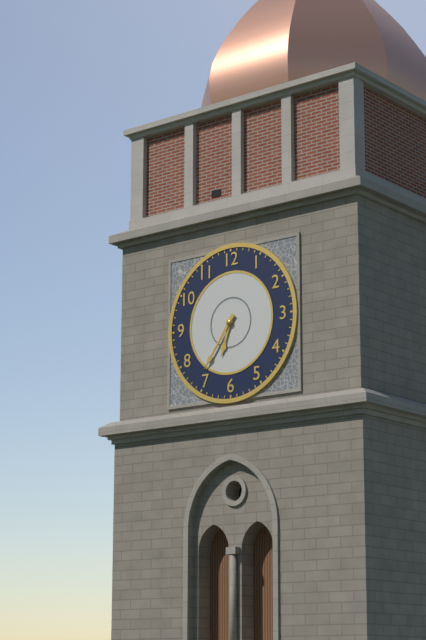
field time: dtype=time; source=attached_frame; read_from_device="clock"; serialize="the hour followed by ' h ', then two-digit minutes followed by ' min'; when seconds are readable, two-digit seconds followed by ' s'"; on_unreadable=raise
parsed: 6 h 36 min
